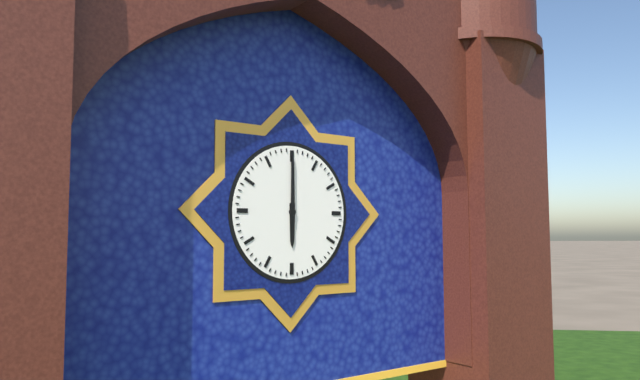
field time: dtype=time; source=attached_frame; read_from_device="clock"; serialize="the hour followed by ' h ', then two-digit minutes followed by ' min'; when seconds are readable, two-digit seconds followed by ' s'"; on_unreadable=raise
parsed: 6 h 00 min
